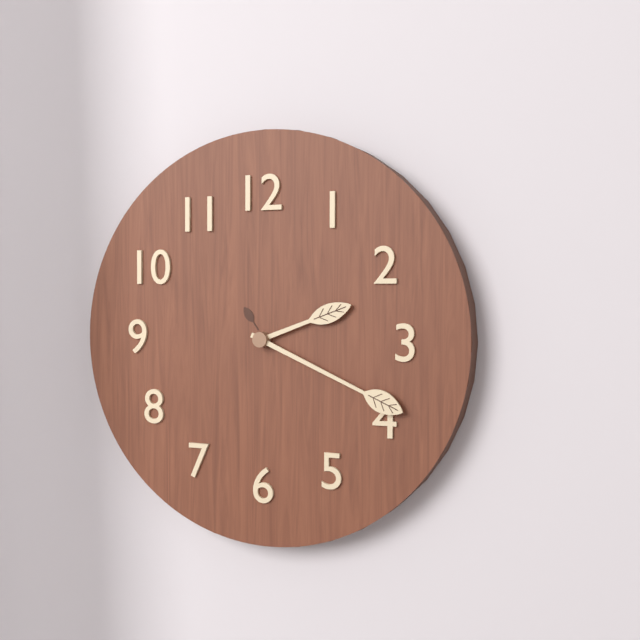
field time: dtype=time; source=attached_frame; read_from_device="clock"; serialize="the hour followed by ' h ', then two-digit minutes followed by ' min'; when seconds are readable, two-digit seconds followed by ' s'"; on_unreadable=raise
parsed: 2 h 19 min
